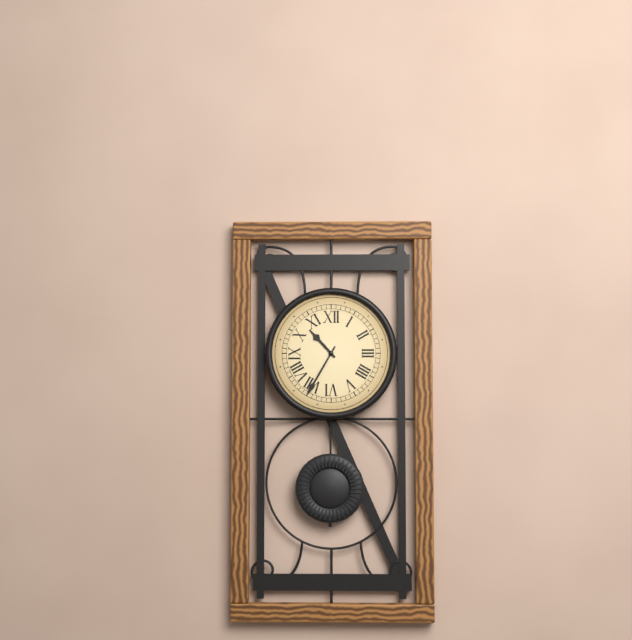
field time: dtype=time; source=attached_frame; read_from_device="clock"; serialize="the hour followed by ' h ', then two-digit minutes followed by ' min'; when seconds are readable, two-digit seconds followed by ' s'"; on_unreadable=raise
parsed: 10 h 35 min
